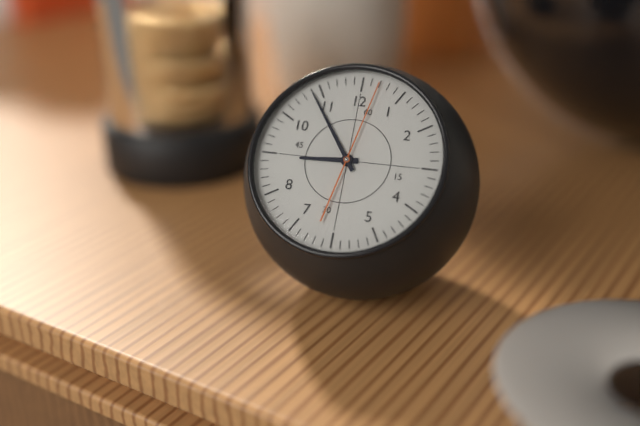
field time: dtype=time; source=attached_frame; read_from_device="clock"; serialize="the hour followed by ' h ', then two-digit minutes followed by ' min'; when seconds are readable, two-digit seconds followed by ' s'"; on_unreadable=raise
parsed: 8 h 54 min 02 s
